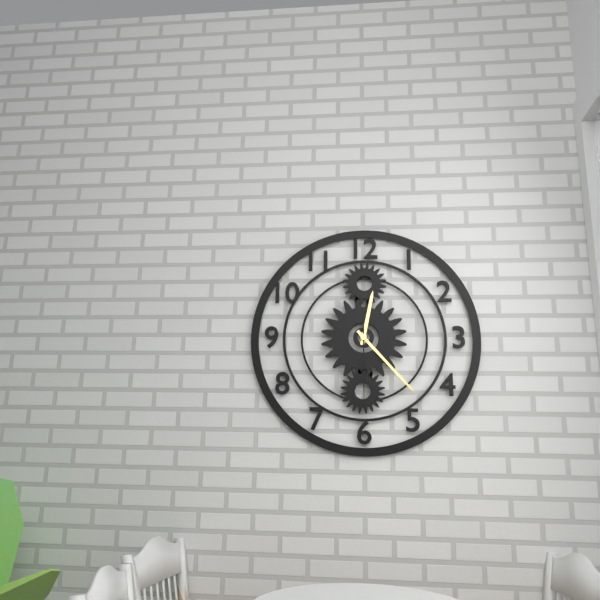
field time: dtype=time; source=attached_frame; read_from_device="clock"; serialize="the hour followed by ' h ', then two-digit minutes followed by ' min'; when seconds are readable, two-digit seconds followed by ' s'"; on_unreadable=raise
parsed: 12 h 23 min 30 s
